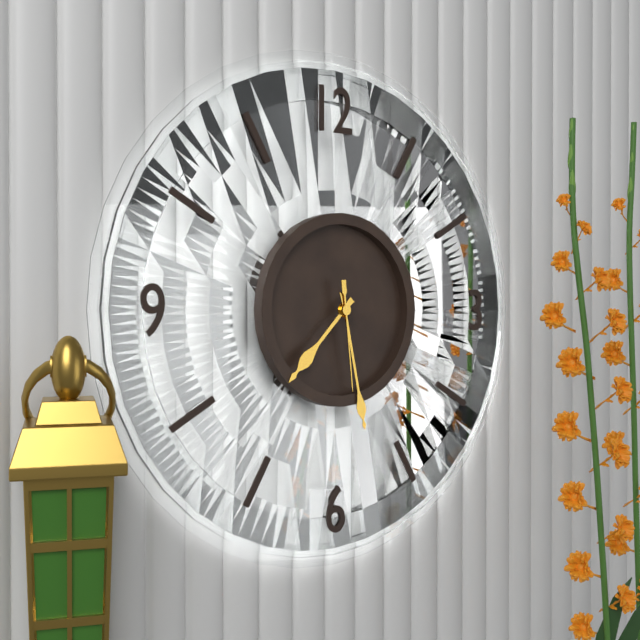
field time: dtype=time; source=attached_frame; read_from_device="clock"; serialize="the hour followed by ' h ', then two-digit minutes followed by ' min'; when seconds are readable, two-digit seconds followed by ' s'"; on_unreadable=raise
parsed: 7 h 28 min 29 s
